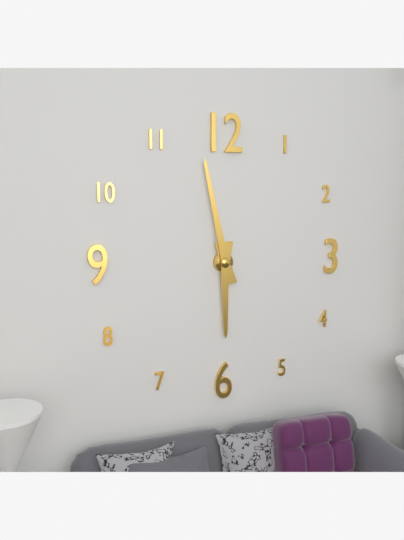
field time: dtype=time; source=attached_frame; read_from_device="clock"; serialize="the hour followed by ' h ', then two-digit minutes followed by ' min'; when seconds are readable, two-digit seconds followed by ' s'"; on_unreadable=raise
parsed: 5 h 58 min
